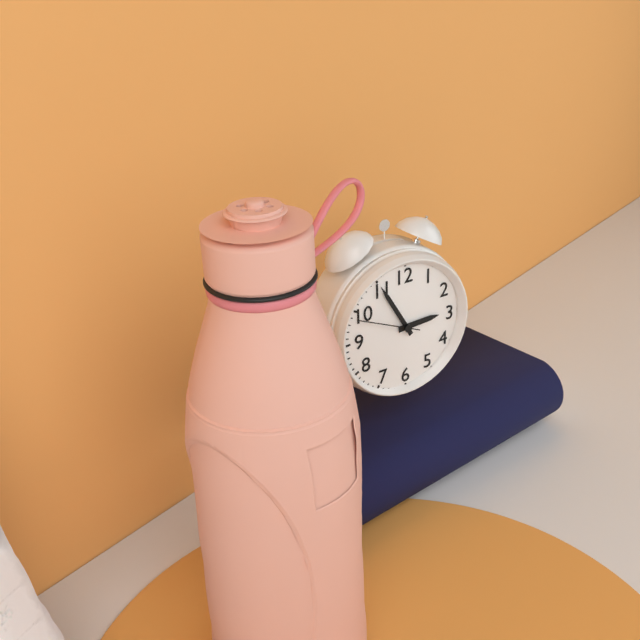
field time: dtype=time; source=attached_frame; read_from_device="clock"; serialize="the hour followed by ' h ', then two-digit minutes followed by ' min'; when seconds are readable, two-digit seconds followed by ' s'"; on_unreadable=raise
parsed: 2 h 55 min 49 s
